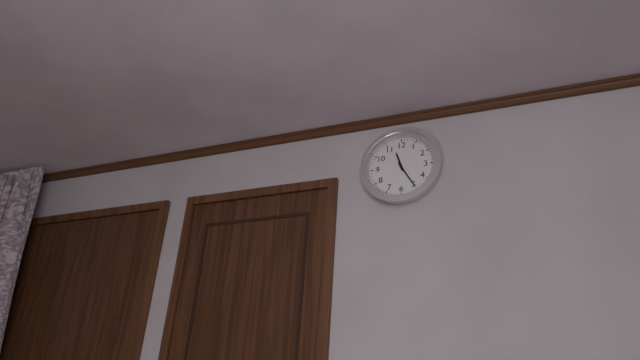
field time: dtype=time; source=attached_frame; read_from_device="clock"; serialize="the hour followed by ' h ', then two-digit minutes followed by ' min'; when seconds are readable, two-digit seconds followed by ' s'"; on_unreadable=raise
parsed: 11 h 25 min
